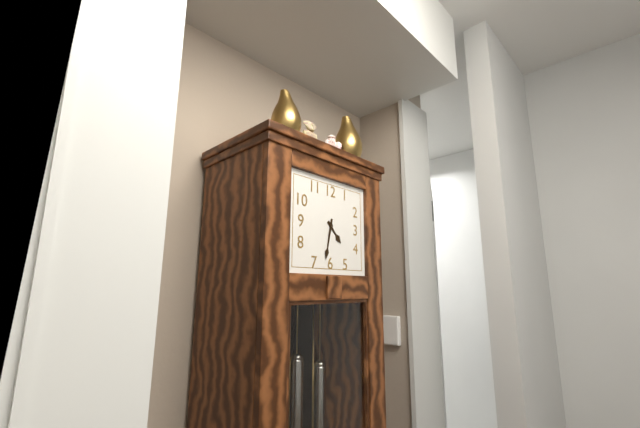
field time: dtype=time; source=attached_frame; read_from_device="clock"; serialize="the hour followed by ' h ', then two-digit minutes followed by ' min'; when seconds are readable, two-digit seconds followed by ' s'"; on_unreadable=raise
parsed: 4 h 32 min
